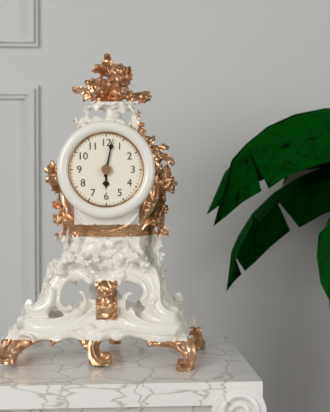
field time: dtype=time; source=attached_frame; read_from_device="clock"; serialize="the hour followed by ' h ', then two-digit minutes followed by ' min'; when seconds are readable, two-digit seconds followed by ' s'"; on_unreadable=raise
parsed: 6 h 02 min
